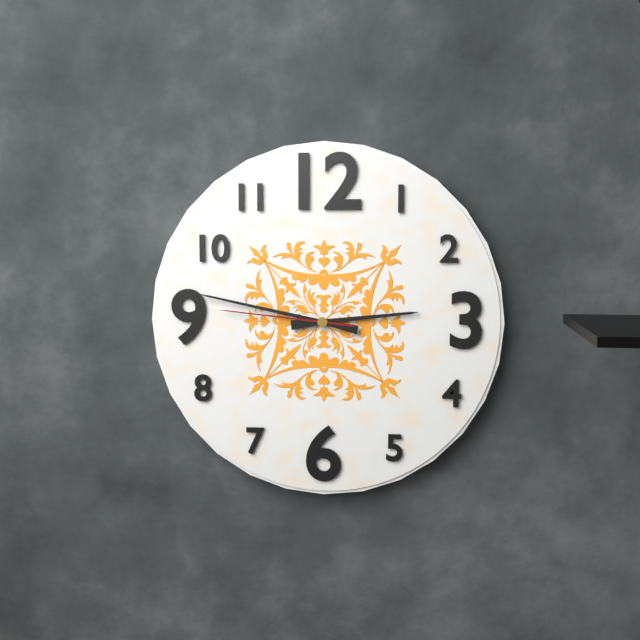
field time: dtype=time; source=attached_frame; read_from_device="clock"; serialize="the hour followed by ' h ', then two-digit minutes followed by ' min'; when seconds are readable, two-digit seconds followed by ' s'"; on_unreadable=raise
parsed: 2 h 47 min 46 s
